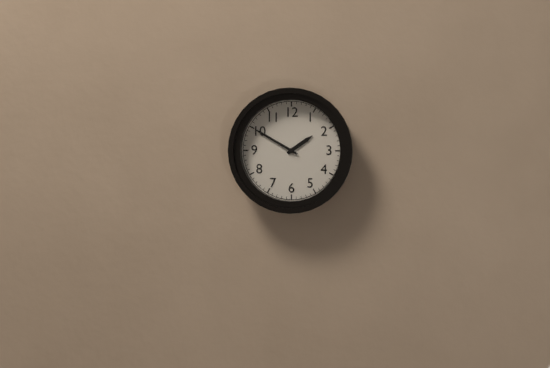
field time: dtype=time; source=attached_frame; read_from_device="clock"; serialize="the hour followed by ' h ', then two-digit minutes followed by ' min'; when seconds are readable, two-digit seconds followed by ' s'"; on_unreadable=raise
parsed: 1 h 50 min
